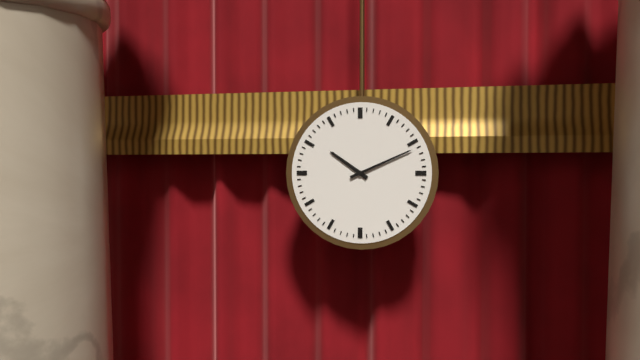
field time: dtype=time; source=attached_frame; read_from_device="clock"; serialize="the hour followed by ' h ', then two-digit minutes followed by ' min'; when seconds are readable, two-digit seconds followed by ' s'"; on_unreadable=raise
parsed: 10 h 11 min
